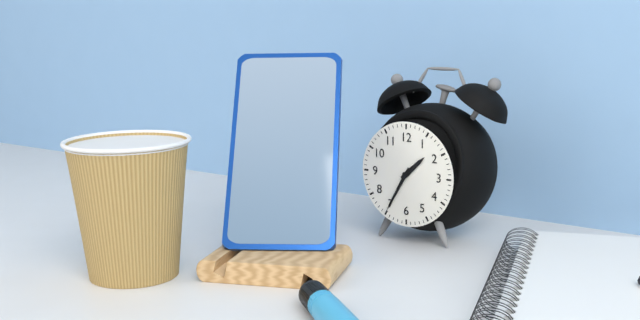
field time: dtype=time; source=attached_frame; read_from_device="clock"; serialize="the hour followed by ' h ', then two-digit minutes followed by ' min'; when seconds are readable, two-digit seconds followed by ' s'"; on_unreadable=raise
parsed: 1 h 35 min
